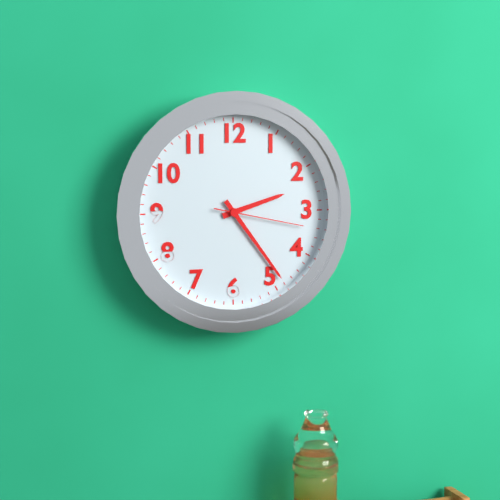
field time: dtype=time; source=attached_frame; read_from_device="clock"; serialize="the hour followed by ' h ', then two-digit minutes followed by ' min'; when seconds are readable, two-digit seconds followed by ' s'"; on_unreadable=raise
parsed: 2 h 24 min 17 s
